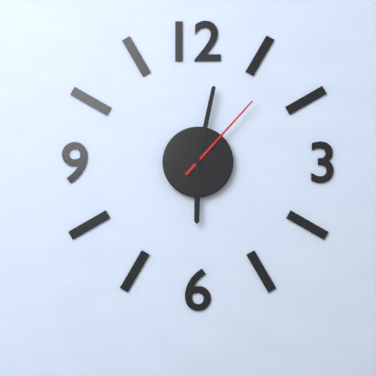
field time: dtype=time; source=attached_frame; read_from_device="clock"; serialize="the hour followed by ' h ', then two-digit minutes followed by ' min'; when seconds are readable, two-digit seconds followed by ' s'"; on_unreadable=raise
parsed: 6 h 02 min 07 s
